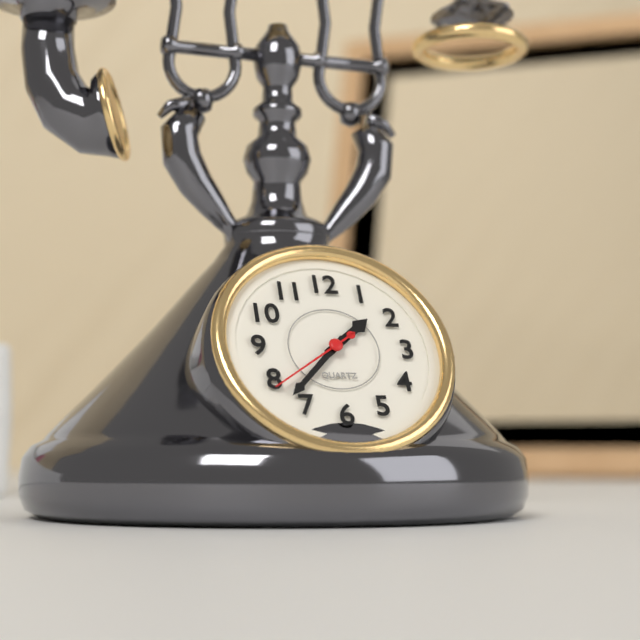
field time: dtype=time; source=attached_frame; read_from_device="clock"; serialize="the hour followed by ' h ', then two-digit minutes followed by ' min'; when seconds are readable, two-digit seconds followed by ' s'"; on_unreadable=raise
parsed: 1 h 37 min 39 s
